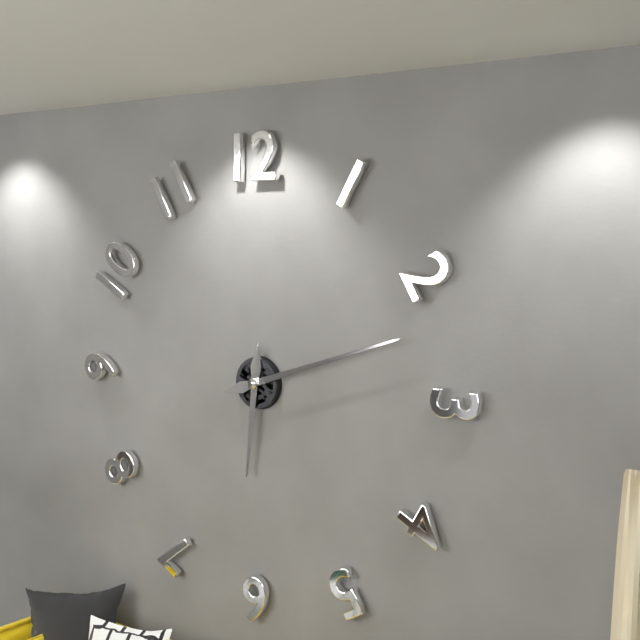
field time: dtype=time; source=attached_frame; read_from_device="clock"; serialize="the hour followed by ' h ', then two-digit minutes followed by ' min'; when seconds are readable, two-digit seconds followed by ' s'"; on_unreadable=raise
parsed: 6 h 12 min
